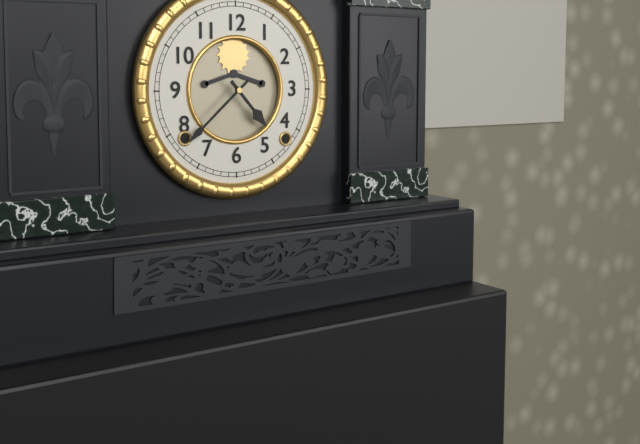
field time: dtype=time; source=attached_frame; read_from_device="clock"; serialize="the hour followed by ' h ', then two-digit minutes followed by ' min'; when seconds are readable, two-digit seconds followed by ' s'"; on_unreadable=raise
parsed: 4 h 38 min
